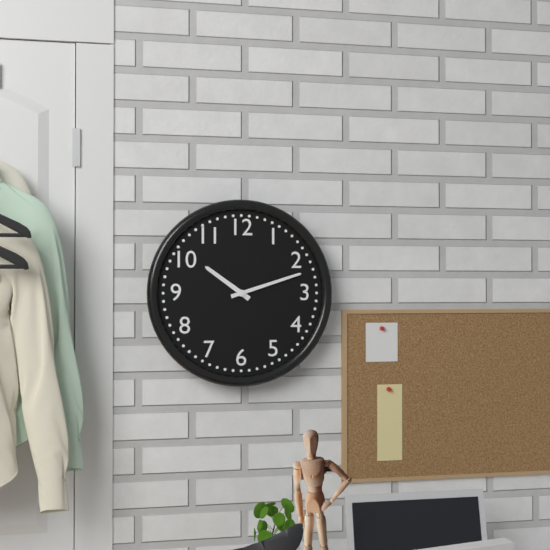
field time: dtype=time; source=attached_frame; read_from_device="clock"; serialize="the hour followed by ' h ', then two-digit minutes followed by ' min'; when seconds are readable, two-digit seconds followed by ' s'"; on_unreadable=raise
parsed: 10 h 12 min
